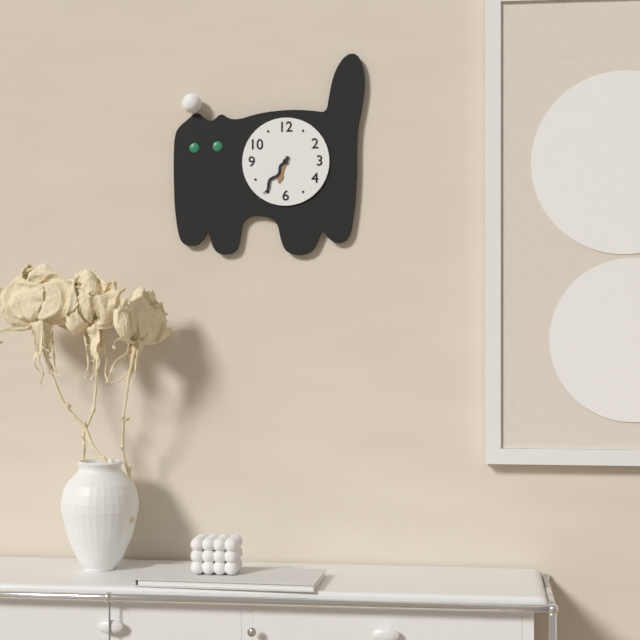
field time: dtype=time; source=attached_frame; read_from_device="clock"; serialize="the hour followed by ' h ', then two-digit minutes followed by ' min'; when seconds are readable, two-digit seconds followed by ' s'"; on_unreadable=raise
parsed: 6 h 36 min
